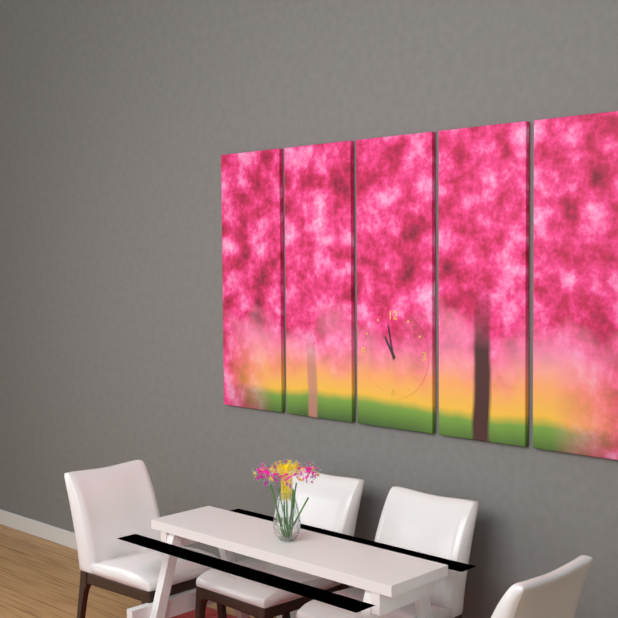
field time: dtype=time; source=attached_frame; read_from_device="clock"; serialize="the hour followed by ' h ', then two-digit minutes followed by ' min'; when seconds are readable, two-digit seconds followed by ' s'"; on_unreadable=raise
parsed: 10 h 58 min
